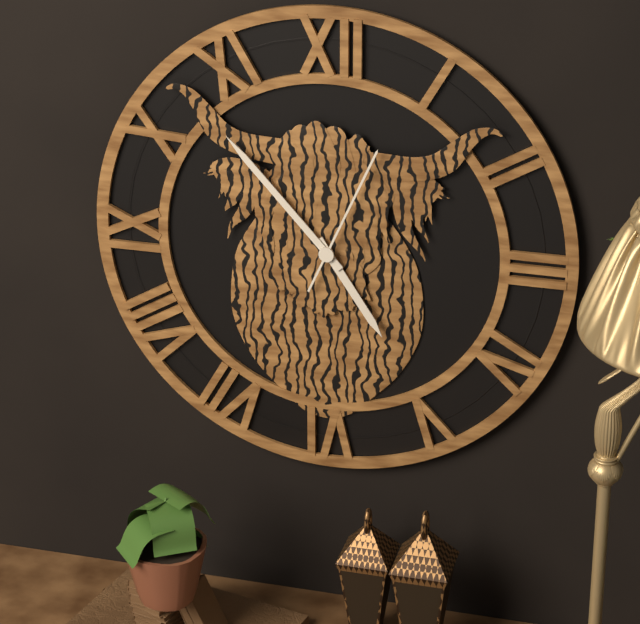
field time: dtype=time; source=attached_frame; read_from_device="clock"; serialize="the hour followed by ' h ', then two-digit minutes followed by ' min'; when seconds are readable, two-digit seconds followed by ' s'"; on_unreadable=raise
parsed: 4 h 53 min 04 s
